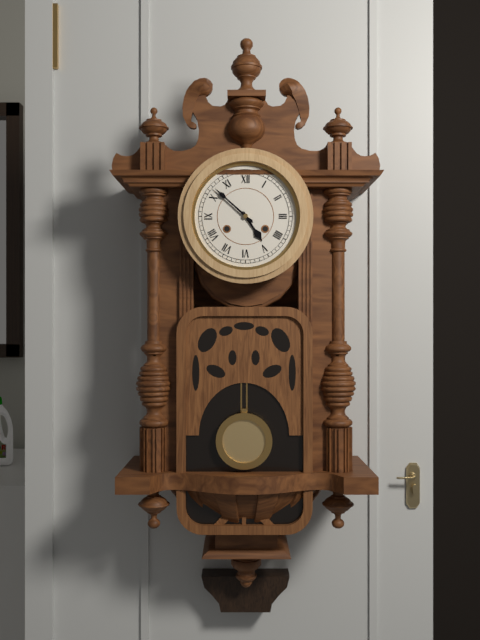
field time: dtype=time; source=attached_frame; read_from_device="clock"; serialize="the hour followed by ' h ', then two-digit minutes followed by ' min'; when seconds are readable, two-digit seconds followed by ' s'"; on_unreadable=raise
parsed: 4 h 52 min
